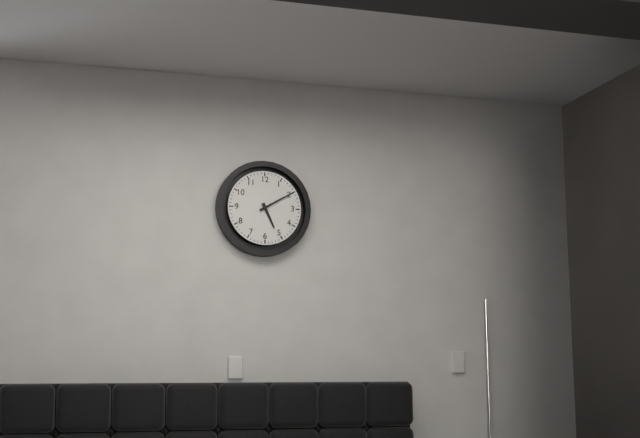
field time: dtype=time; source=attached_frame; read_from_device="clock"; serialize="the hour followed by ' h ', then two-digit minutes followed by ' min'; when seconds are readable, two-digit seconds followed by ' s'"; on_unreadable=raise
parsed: 5 h 10 min
